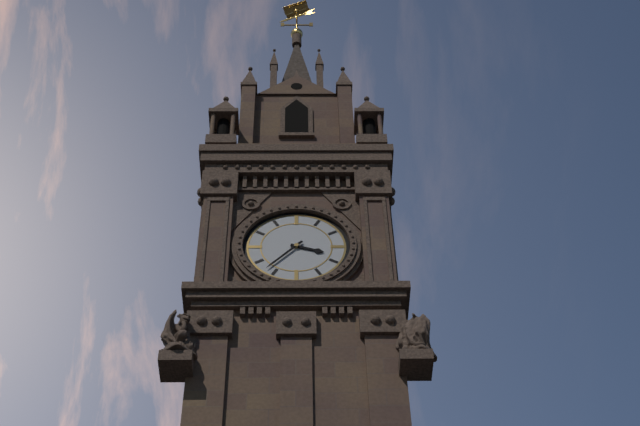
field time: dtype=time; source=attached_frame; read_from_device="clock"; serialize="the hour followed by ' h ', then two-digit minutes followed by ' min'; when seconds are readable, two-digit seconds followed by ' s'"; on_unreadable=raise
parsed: 3 h 37 min
